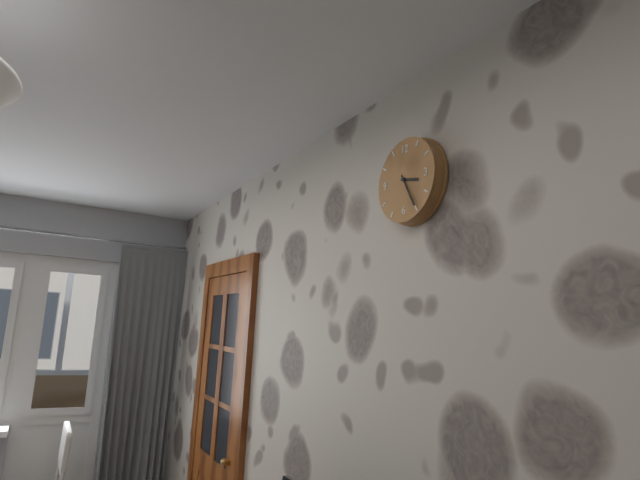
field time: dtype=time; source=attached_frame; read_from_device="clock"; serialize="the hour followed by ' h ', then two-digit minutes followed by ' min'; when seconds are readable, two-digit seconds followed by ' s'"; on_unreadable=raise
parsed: 3 h 25 min
